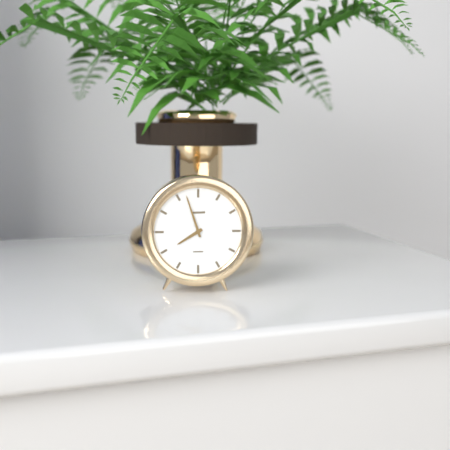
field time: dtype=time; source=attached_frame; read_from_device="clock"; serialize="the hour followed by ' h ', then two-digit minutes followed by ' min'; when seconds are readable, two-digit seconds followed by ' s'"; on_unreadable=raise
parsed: 7 h 57 min
